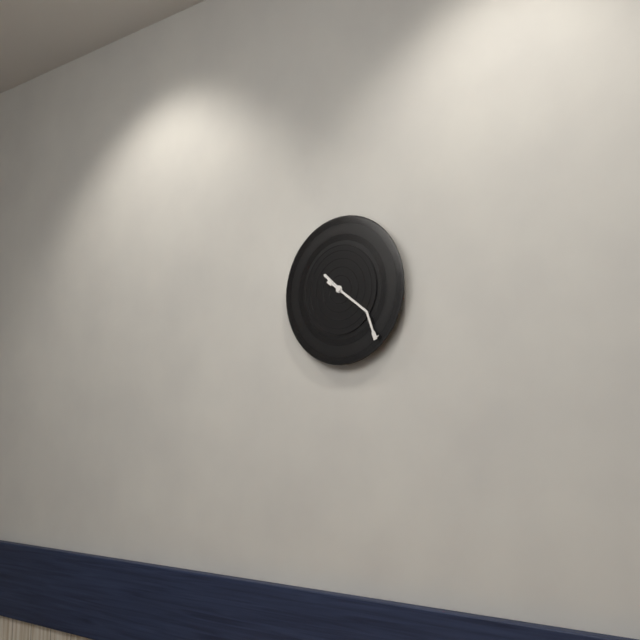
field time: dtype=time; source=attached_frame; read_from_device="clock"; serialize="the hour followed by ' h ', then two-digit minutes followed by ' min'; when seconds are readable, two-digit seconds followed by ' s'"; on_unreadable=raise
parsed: 10 h 21 min
